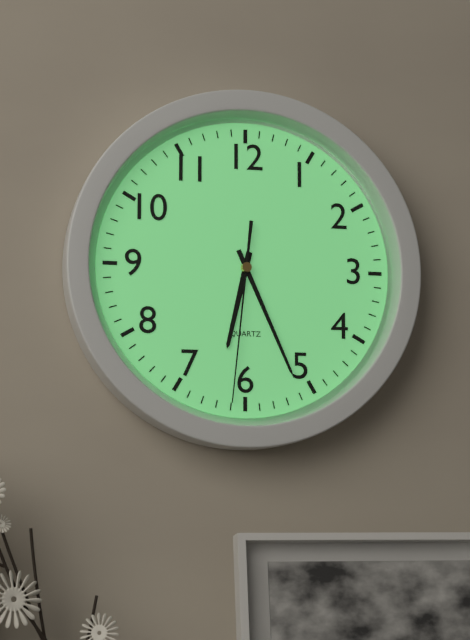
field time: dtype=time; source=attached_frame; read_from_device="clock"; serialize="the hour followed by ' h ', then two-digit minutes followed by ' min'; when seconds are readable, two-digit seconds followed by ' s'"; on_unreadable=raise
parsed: 6 h 26 min 31 s
